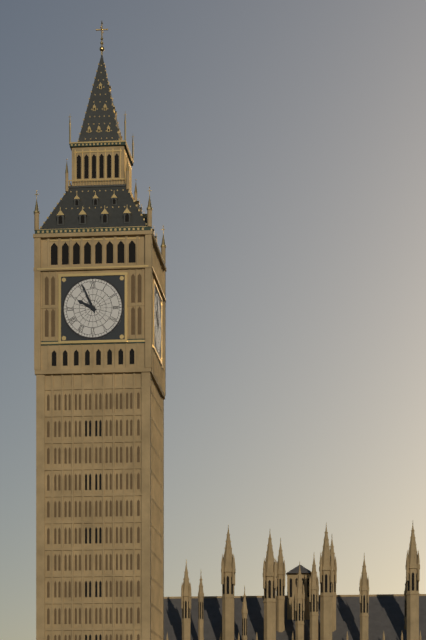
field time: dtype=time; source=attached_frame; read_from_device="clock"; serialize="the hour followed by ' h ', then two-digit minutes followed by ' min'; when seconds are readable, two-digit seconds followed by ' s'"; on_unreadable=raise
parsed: 9 h 56 min
